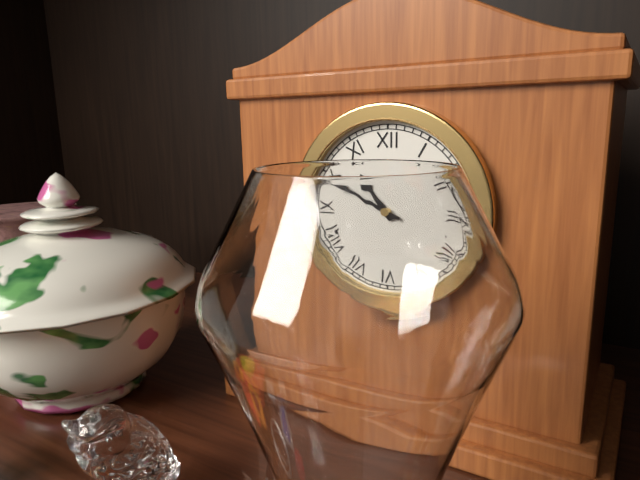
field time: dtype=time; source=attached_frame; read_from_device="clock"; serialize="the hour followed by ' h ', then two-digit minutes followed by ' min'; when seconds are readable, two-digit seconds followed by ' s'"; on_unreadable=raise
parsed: 10 h 50 min
